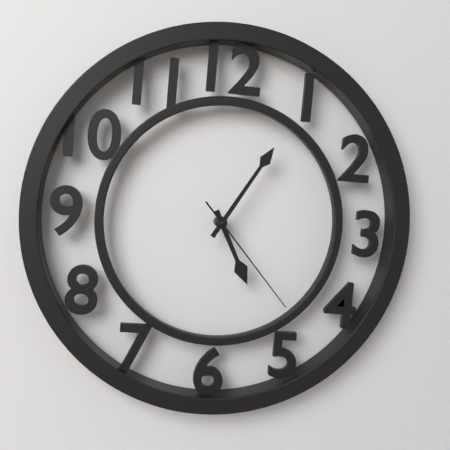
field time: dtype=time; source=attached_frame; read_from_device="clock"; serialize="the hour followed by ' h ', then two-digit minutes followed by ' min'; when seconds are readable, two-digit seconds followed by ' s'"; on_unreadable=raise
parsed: 5 h 05 min 23 s
